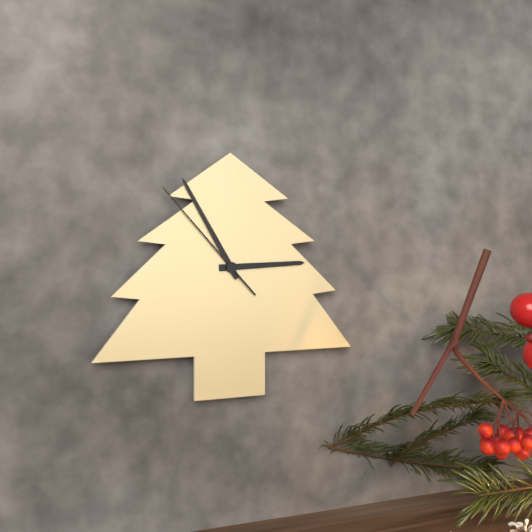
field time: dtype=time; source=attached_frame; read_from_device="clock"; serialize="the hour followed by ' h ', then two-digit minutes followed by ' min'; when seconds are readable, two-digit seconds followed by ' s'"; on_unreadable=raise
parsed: 2 h 55 min 53 s
